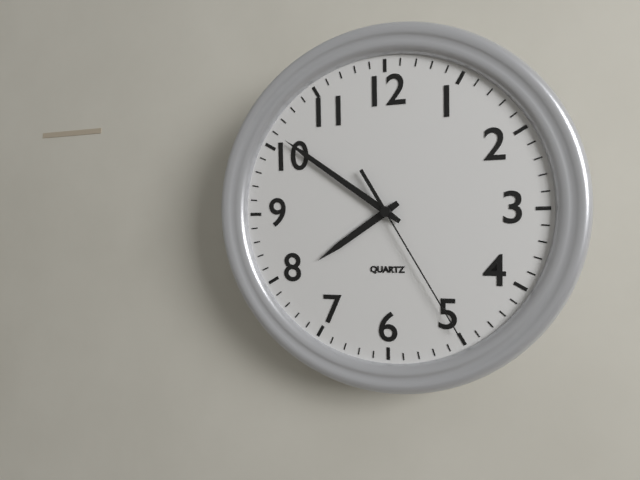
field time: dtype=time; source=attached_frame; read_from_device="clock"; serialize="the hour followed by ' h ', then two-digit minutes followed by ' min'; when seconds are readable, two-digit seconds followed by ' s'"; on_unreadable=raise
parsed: 7 h 51 min 25 s
